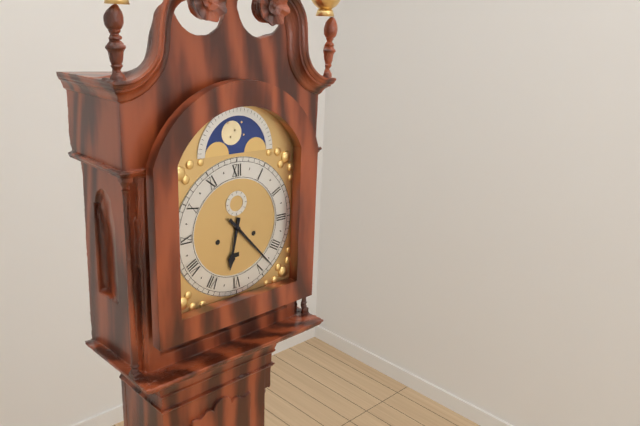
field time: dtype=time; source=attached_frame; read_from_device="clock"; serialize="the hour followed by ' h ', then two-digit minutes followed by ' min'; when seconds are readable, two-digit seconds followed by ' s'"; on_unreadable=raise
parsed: 6 h 23 min
